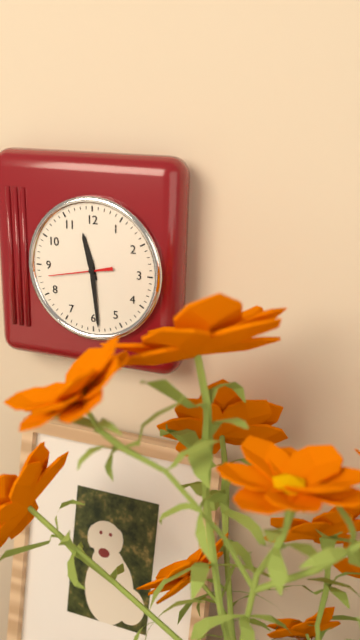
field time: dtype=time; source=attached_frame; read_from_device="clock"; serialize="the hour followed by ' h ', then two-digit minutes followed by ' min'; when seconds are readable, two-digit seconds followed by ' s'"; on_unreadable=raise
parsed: 11 h 29 min 43 s
